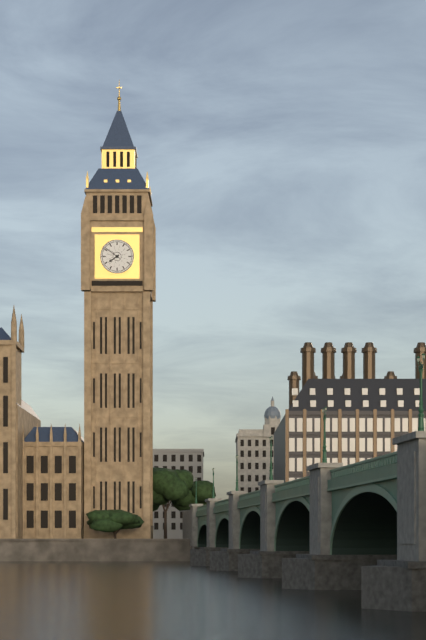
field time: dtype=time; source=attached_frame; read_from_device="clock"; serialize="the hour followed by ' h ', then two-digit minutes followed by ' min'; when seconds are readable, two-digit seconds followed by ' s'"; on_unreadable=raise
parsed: 7 h 51 min
